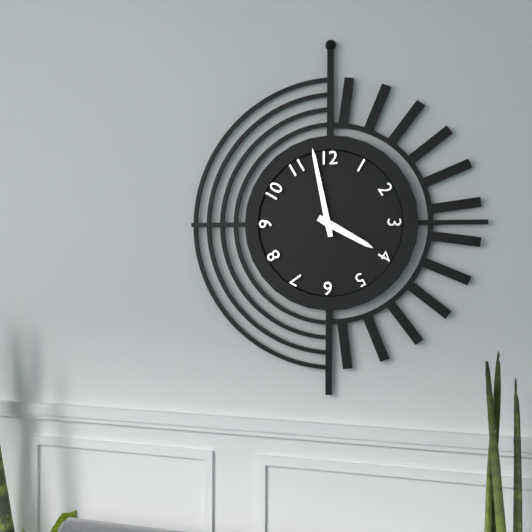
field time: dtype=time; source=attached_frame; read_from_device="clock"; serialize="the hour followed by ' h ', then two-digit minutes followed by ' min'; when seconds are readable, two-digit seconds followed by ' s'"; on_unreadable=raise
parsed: 3 h 58 min
